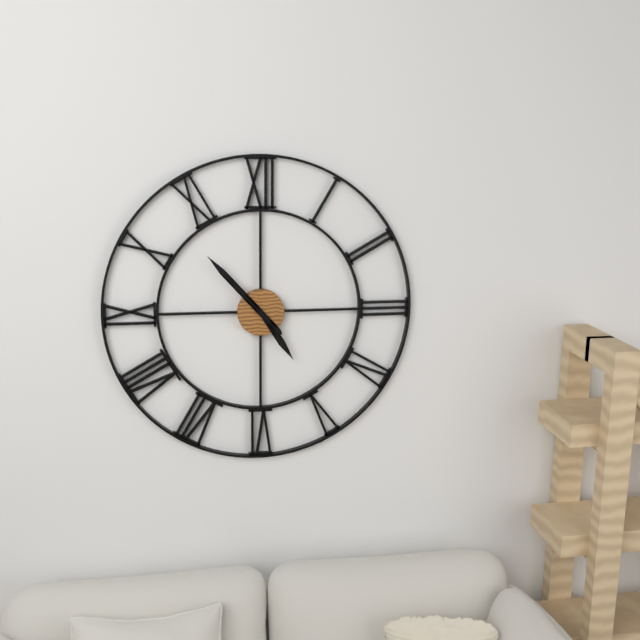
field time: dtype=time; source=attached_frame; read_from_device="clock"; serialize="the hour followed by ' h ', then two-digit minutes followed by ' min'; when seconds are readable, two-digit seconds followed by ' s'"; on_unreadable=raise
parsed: 4 h 53 min
